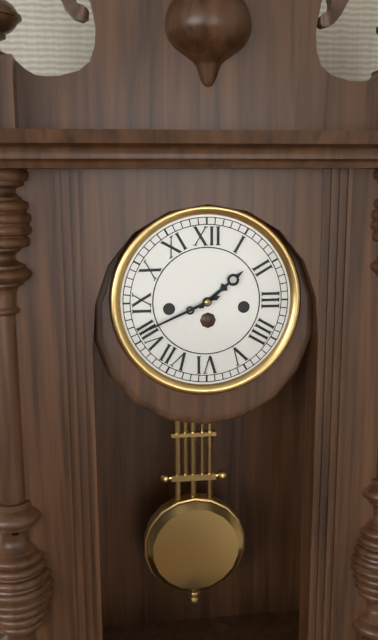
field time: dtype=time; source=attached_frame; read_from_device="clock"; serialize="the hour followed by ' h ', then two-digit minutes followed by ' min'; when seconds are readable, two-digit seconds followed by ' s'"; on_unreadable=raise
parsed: 1 h 41 min
